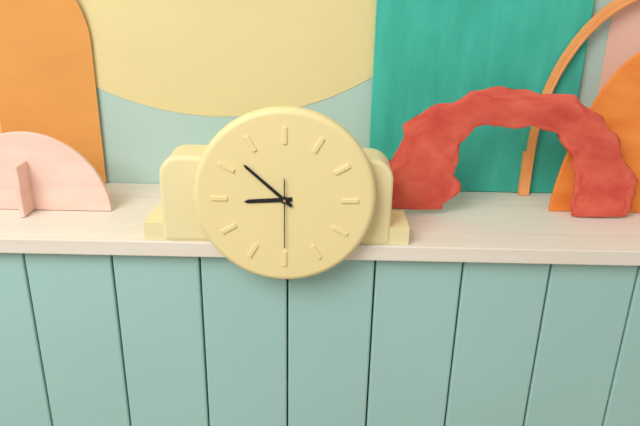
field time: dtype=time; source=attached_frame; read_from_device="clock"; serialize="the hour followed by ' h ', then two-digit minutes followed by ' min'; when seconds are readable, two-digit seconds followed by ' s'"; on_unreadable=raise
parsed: 8 h 52 min 30 s
